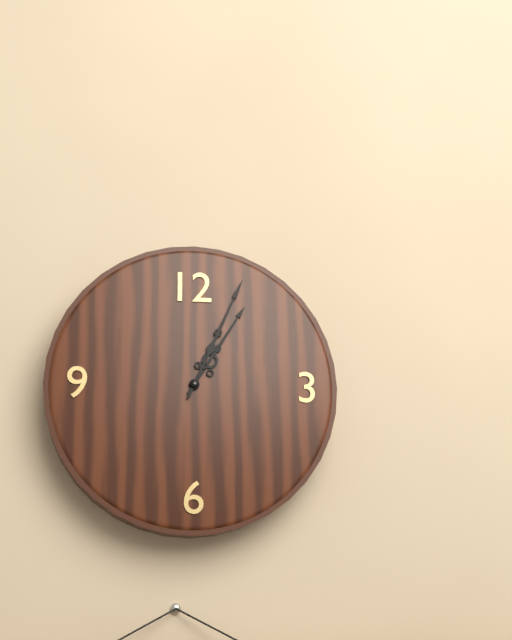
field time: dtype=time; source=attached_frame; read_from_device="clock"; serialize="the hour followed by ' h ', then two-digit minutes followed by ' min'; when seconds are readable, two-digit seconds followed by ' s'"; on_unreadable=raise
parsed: 1 h 04 min
